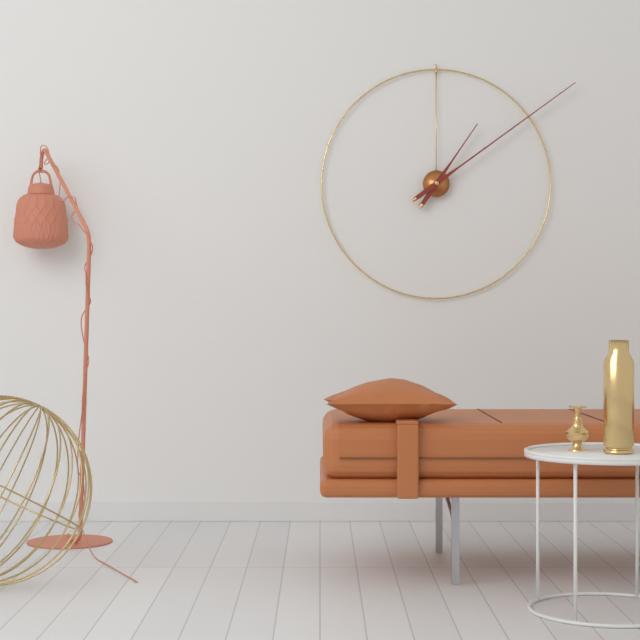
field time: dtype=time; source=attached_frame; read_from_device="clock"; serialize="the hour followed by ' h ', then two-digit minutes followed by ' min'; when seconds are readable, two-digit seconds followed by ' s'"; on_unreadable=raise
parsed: 1 h 09 min
